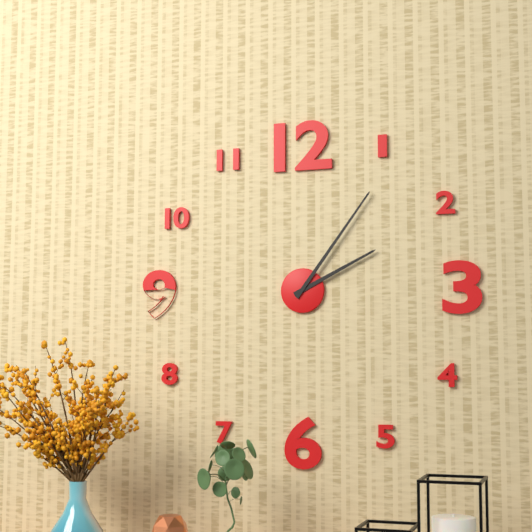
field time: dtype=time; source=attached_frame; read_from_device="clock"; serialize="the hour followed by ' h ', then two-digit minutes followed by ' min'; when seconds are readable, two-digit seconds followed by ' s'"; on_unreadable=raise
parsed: 2 h 06 min
